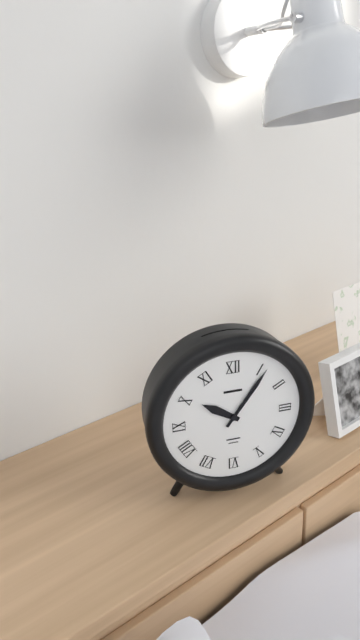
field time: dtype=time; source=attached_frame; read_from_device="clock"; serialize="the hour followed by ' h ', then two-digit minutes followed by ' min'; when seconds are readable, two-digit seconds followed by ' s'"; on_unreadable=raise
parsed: 10 h 06 min
